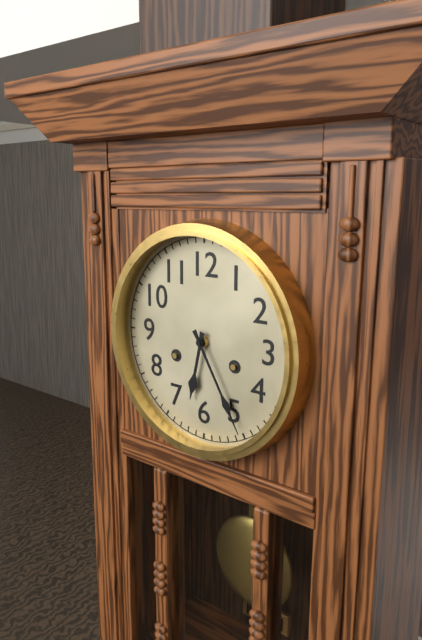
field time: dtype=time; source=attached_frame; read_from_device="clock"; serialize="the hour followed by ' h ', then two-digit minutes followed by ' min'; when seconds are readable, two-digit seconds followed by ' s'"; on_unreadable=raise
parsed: 6 h 25 min
